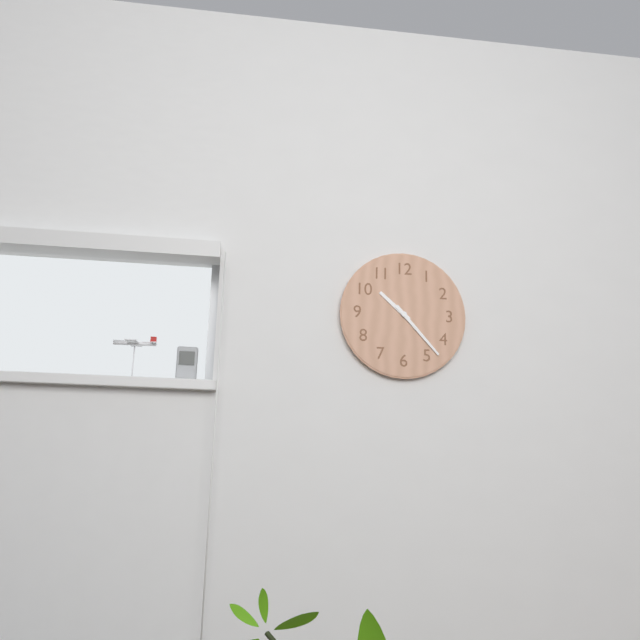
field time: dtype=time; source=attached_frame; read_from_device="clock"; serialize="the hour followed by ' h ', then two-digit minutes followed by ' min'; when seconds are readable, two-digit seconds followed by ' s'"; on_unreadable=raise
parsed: 10 h 23 min
